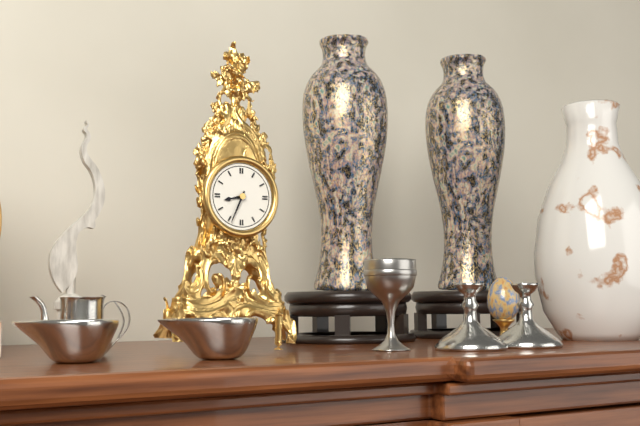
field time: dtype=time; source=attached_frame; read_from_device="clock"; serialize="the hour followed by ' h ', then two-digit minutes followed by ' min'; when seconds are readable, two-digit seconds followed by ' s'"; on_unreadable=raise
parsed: 8 h 34 min
